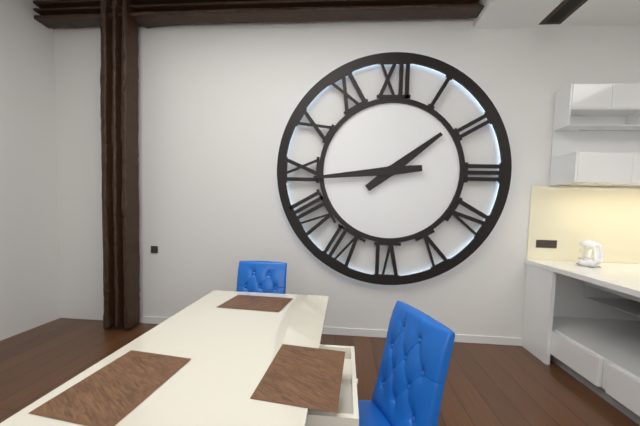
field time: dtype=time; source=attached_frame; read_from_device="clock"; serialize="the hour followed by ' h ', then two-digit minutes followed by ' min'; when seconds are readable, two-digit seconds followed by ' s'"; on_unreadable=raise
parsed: 1 h 44 min
